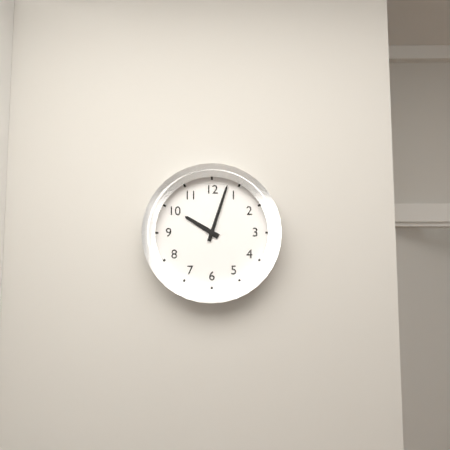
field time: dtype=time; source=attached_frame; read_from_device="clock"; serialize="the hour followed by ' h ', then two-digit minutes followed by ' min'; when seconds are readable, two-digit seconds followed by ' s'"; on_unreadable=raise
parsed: 10 h 03 min
